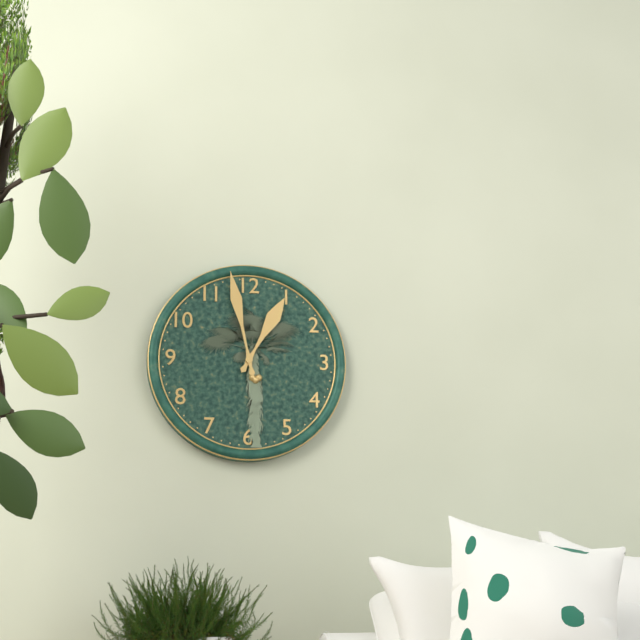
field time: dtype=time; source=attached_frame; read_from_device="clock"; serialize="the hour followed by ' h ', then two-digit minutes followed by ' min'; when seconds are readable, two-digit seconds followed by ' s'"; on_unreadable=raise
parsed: 12 h 58 min
